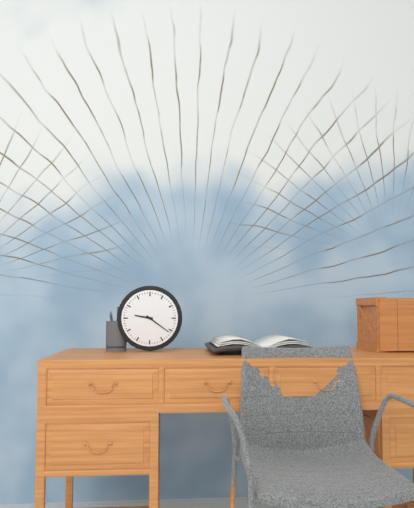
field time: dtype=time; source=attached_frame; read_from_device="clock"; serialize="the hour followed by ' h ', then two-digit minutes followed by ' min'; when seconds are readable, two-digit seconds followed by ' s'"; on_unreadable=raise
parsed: 9 h 21 min
